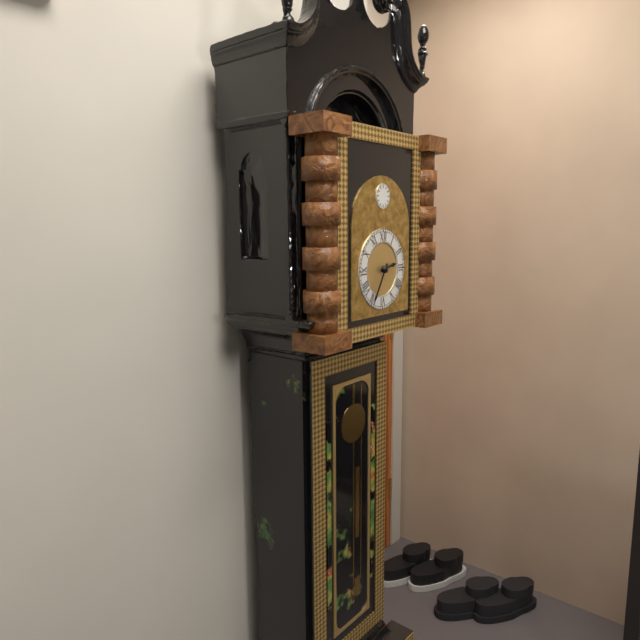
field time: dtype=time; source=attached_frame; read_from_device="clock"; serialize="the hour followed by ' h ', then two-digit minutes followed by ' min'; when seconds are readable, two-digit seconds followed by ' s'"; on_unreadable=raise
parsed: 2 h 35 min
